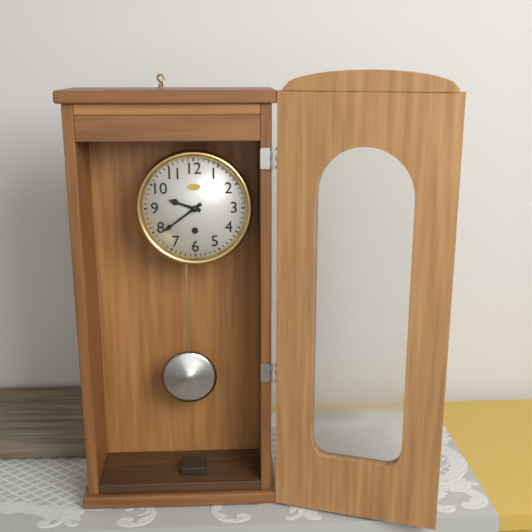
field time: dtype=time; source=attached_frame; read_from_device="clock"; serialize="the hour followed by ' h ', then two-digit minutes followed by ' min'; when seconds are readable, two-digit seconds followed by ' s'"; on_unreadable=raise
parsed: 9 h 39 min
